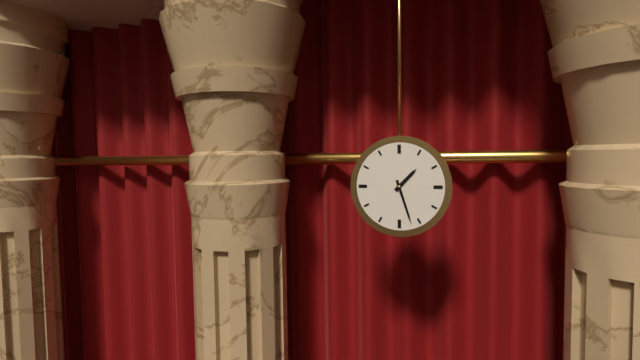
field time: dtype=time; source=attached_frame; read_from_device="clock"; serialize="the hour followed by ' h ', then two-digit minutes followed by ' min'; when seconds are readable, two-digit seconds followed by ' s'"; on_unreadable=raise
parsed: 1 h 27 min
